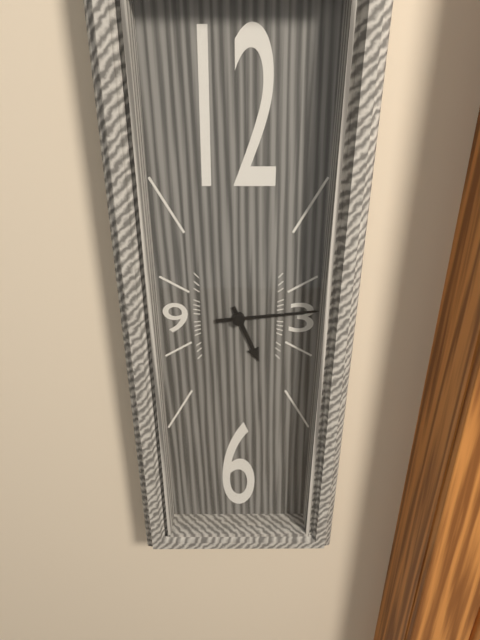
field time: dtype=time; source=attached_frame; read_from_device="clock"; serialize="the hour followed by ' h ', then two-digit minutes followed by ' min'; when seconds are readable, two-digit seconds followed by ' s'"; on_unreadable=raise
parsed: 5 h 14 min
